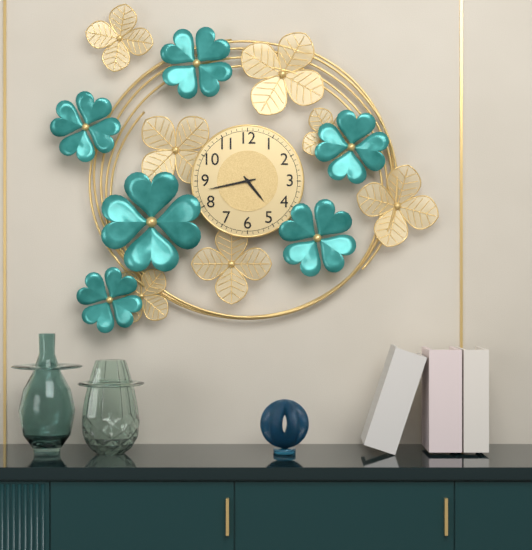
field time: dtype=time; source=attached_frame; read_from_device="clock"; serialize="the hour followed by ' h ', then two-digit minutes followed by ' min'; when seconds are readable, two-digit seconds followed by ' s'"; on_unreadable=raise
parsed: 4 h 43 min
